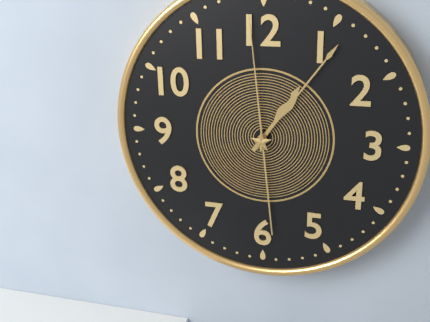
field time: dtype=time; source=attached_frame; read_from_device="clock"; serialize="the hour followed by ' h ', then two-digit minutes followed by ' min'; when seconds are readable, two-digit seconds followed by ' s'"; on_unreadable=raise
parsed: 1 h 06 min 59 s
